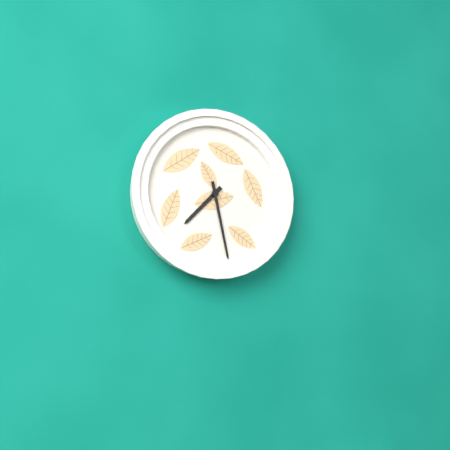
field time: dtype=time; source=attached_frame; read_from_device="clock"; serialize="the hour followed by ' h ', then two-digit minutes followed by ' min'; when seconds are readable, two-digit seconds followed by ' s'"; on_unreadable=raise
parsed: 7 h 28 min
